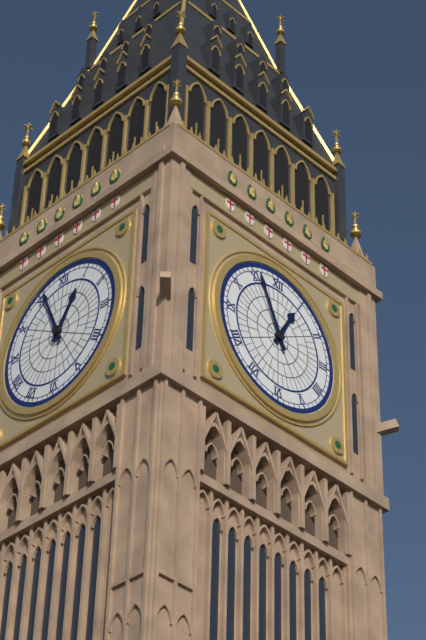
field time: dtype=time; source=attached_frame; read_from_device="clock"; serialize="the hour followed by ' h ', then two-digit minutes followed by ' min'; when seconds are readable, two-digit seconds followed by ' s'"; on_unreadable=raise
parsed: 12 h 56 min
